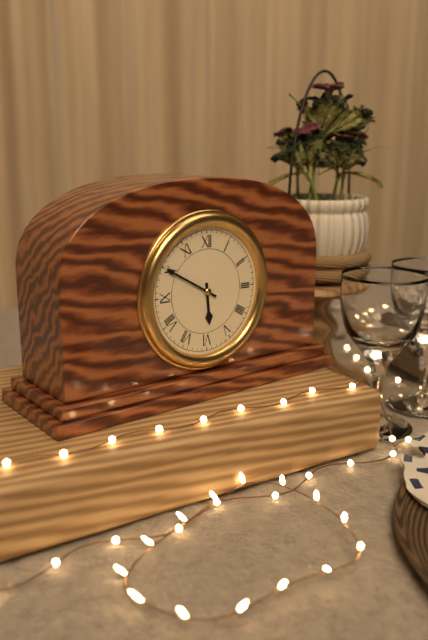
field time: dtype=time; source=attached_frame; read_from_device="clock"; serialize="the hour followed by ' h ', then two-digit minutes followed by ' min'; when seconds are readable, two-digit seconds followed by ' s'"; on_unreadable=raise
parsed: 5 h 50 min
